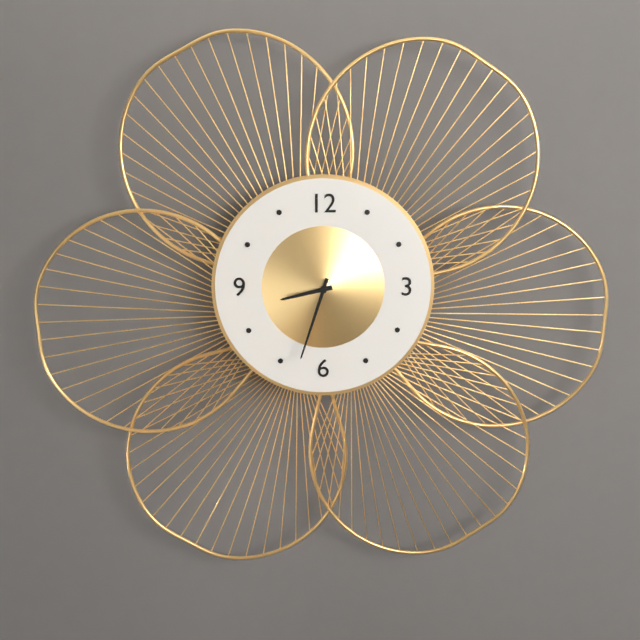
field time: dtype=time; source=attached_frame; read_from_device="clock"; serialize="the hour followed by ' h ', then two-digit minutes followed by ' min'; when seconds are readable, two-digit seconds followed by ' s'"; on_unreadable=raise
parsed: 8 h 33 min
